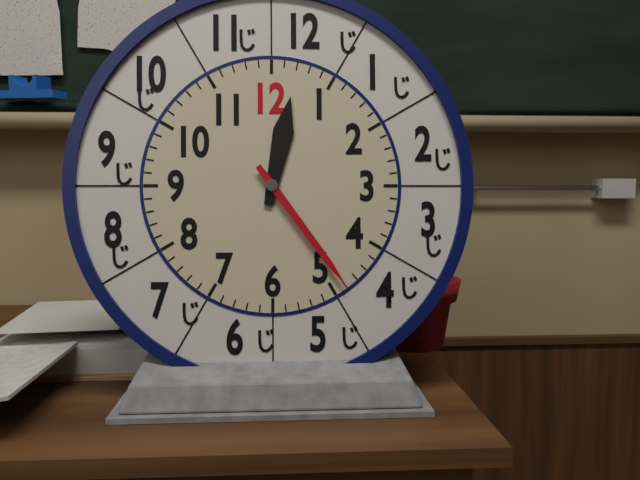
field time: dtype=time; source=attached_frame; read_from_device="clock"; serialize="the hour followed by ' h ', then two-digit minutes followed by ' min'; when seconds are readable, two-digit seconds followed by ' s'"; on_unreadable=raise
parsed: 12 h 24 min
